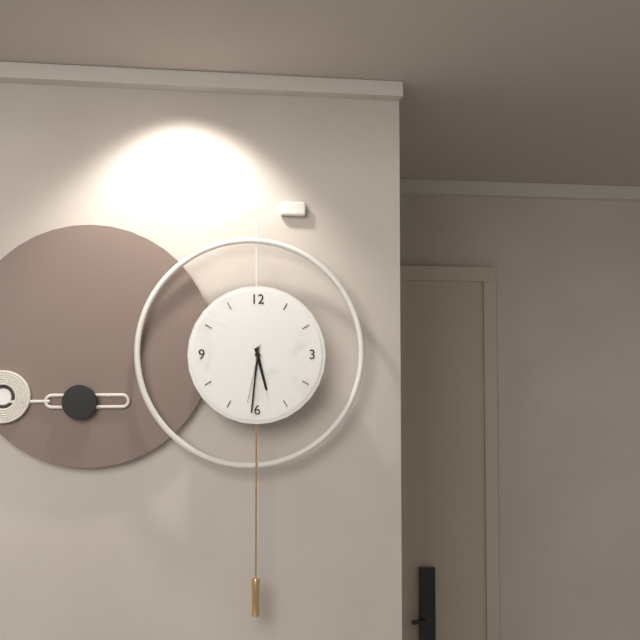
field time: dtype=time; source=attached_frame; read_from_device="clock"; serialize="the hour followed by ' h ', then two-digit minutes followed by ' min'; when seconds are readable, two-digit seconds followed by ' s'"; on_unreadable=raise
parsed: 5 h 31 min 32 s
